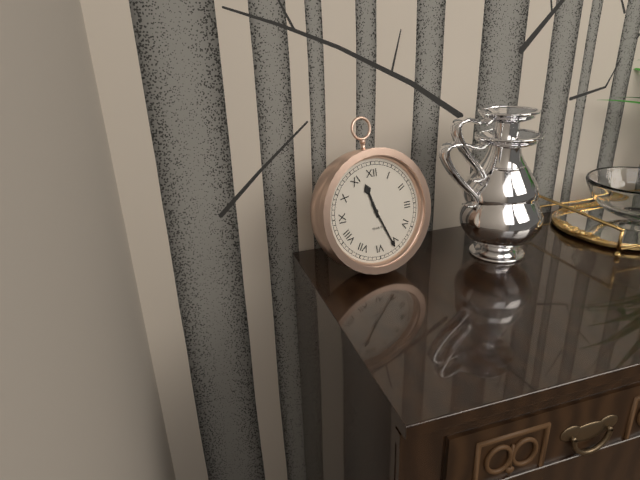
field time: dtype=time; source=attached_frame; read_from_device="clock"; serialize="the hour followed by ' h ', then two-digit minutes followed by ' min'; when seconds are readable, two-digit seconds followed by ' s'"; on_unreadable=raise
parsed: 11 h 26 min
